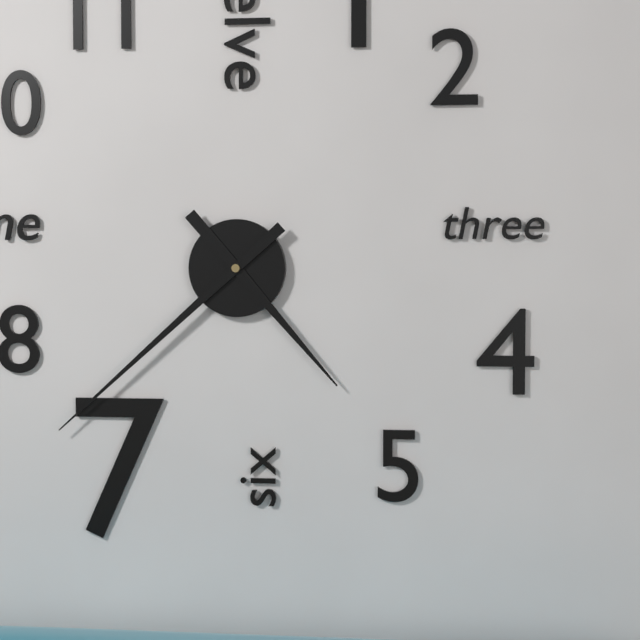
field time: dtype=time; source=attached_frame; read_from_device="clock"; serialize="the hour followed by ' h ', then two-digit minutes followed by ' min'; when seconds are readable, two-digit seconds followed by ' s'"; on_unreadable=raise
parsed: 4 h 38 min
